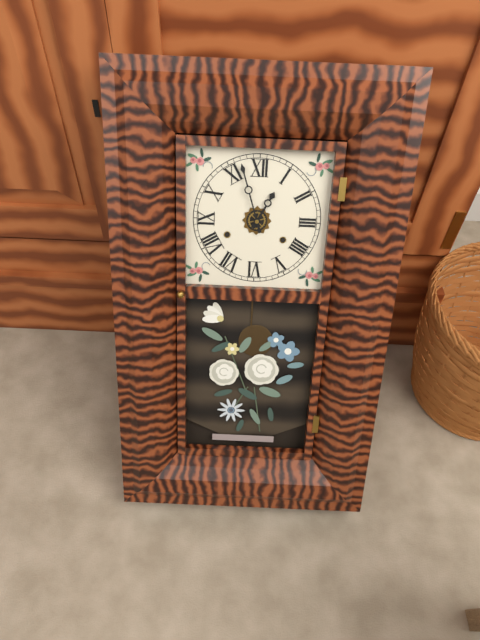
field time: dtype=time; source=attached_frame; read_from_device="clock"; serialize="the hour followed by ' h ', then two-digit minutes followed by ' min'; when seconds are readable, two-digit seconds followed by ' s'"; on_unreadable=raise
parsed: 12 h 57 min
